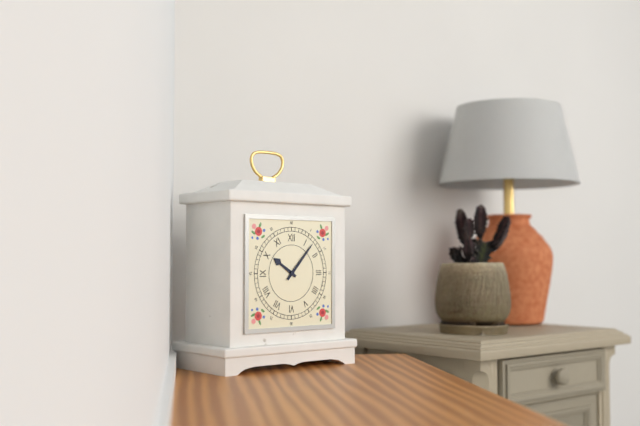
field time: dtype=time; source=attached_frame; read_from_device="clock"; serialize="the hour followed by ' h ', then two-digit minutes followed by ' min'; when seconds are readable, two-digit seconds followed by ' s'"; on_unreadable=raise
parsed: 10 h 07 min
